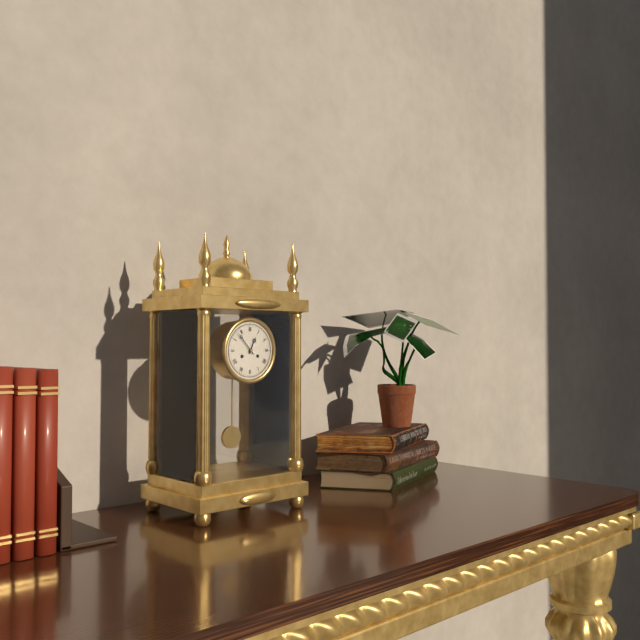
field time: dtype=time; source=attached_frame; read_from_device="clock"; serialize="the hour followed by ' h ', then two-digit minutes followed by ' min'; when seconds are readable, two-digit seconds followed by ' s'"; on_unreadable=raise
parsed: 12 h 53 min
